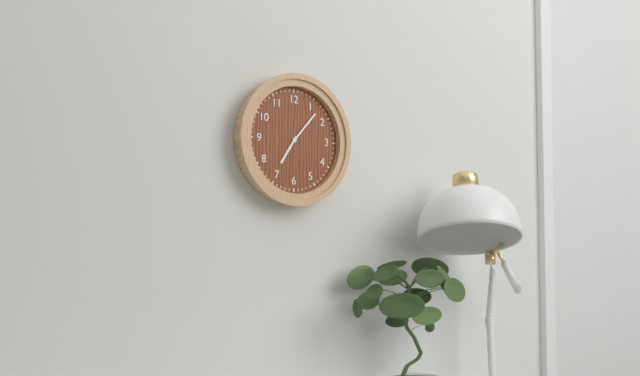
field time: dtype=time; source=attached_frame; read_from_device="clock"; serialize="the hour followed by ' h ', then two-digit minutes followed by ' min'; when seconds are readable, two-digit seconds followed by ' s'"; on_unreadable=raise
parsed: 7 h 07 min
